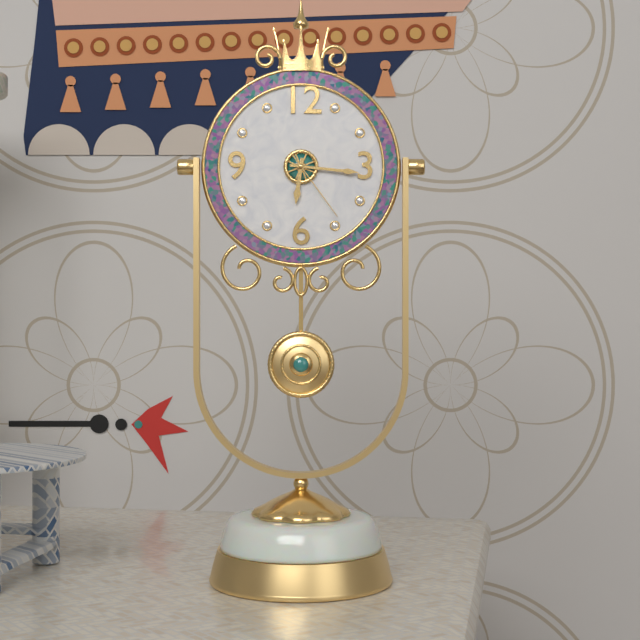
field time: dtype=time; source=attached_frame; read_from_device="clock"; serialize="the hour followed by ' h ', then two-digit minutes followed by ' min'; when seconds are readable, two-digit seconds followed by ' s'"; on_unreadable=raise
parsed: 6 h 16 min 24 s
